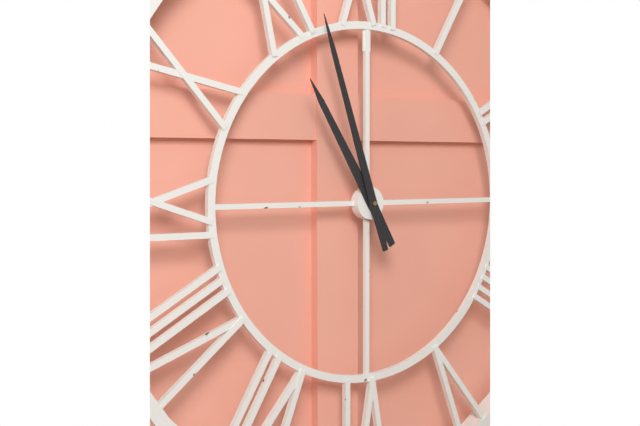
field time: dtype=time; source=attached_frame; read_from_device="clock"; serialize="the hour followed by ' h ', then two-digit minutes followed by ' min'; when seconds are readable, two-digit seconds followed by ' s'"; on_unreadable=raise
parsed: 10 h 57 min
